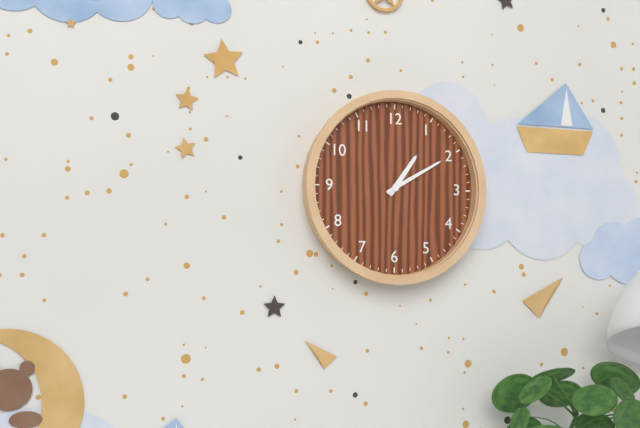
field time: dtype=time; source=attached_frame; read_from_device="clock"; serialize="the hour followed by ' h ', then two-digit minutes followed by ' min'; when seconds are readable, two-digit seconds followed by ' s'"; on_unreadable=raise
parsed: 1 h 10 min
